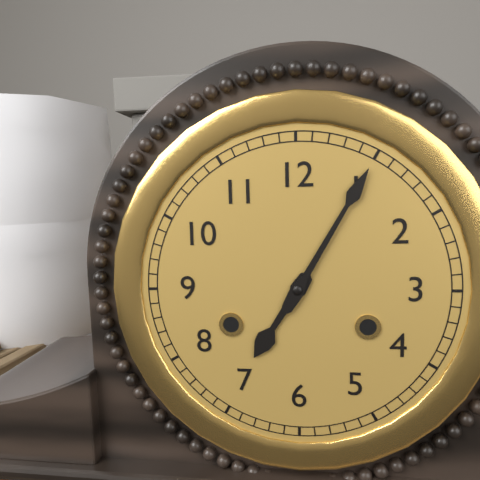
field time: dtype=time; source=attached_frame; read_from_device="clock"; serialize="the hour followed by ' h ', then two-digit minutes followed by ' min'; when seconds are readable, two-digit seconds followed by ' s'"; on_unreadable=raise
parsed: 7 h 05 min
